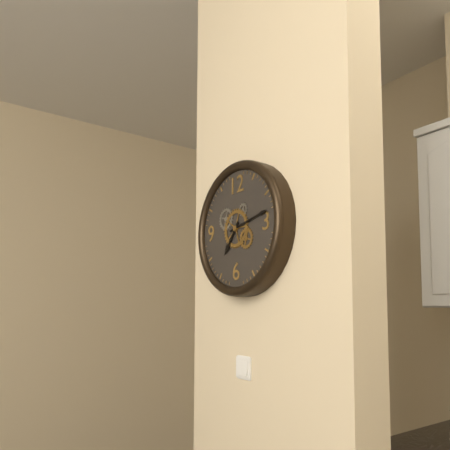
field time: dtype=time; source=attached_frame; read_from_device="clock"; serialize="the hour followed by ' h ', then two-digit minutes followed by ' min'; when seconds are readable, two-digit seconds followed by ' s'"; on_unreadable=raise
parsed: 7 h 13 min
